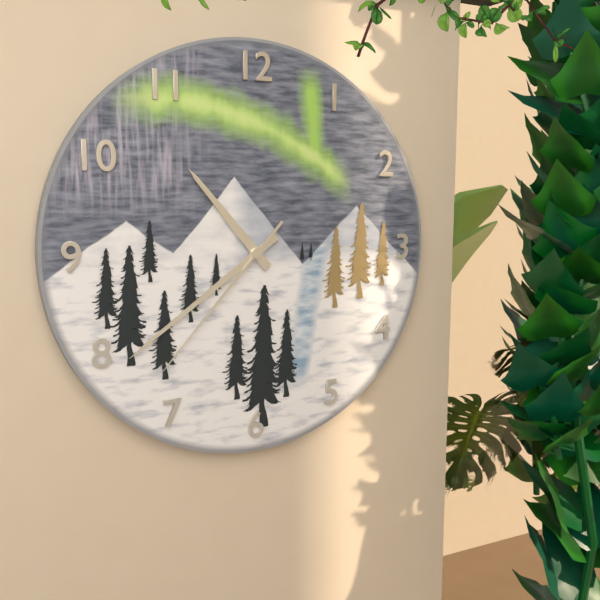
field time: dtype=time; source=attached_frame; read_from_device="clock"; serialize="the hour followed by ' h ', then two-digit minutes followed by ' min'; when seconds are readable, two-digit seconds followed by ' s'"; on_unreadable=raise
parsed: 10 h 39 min 37 s
